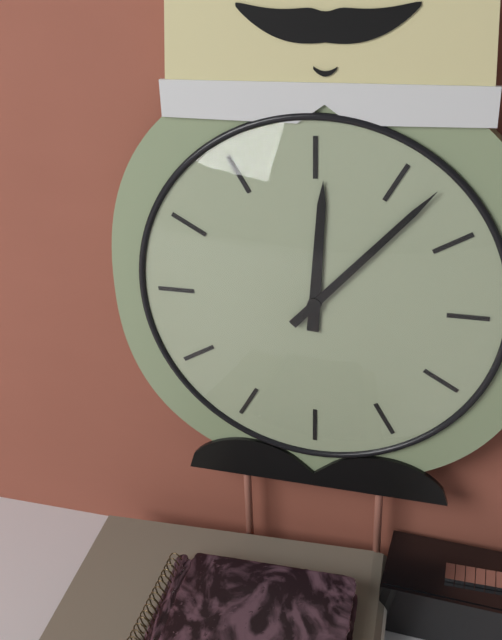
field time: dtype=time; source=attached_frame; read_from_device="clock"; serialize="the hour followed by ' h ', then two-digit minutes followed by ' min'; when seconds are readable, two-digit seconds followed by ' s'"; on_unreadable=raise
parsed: 12 h 07 min
